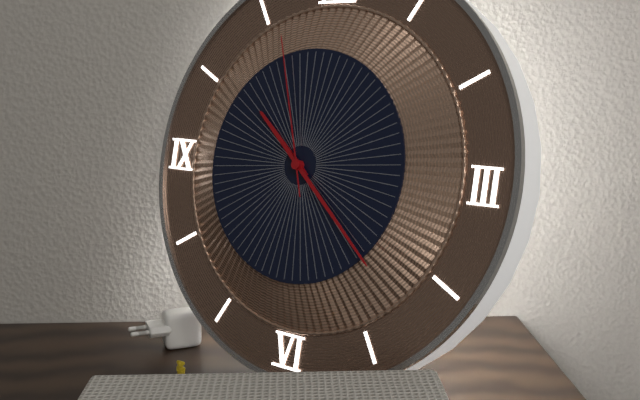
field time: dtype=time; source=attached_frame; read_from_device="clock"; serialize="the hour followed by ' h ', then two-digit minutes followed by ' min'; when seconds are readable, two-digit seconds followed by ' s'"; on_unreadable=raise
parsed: 10 h 22 min 57 s
